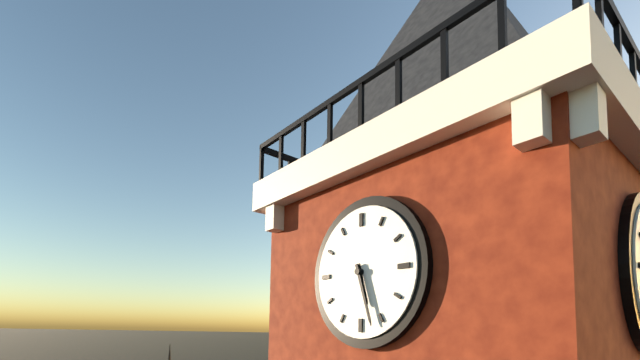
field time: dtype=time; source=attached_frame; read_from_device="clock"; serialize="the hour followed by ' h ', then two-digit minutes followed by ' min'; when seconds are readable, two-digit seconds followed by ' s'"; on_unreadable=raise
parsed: 5 h 27 min
